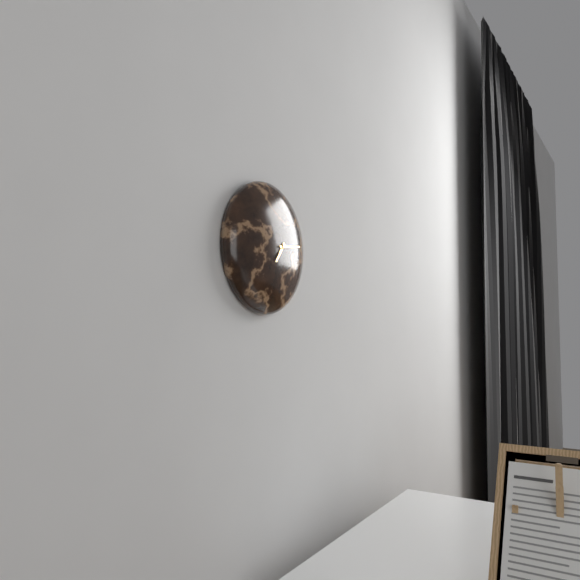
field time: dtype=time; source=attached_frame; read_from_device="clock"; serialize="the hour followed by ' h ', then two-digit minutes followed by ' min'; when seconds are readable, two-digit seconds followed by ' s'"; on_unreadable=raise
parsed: 7 h 14 min
